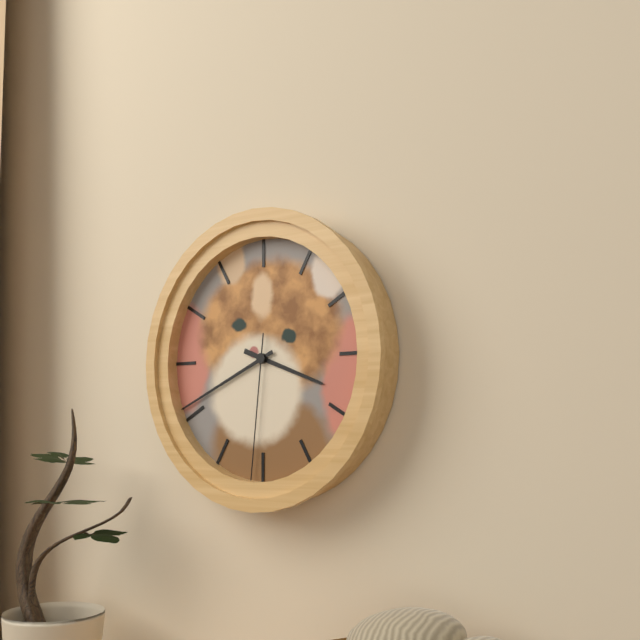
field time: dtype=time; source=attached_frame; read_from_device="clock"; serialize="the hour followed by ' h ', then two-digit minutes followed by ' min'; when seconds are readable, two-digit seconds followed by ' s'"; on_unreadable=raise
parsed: 3 h 41 min 31 s
